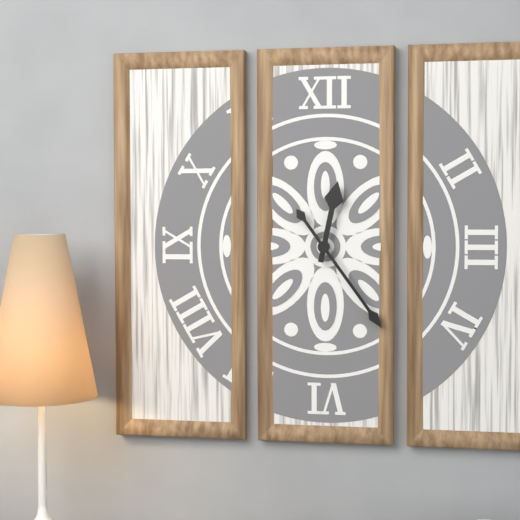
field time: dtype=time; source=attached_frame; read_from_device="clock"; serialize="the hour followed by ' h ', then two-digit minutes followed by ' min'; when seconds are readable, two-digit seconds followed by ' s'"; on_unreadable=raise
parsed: 12 h 24 min
